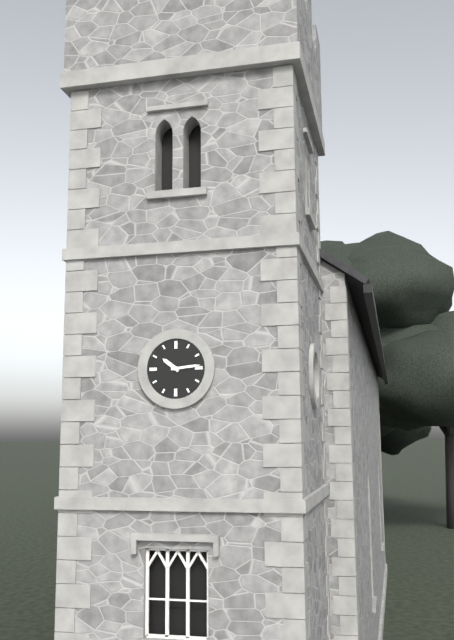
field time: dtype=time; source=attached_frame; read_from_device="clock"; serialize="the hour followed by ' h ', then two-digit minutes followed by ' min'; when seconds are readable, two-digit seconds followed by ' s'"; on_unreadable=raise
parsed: 10 h 14 min
